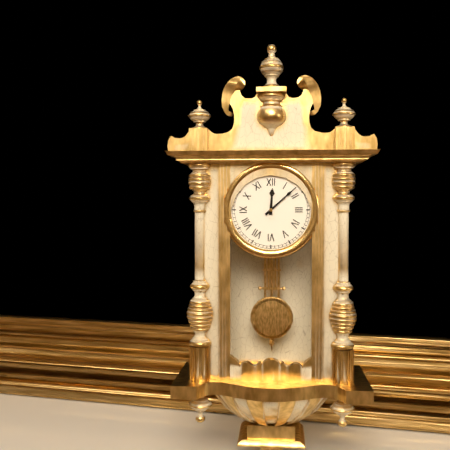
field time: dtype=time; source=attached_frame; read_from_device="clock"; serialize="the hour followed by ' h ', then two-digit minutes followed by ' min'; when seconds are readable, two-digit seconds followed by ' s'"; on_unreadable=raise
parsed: 12 h 08 min
